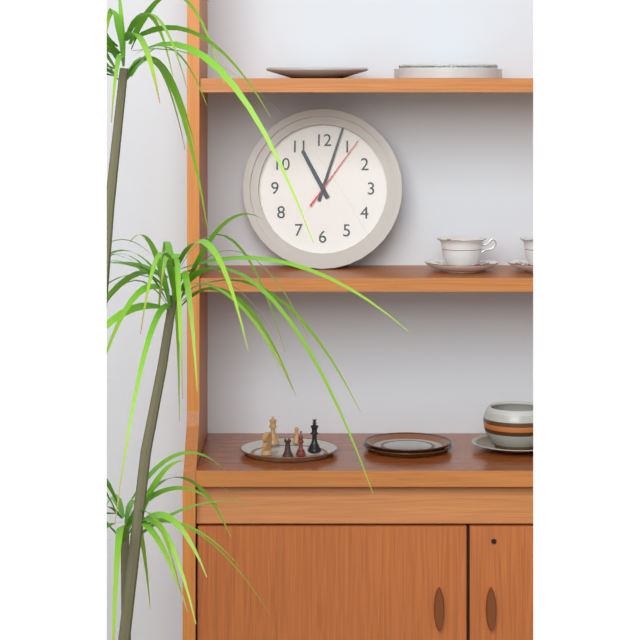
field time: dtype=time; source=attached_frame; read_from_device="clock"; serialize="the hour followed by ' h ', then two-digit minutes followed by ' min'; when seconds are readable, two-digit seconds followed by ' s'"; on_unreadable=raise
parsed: 11 h 03 min 06 s
